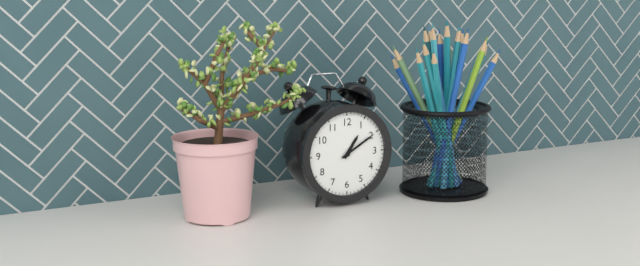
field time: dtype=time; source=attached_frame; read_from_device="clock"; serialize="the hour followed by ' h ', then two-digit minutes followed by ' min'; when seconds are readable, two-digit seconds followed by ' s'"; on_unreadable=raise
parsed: 1 h 10 min
